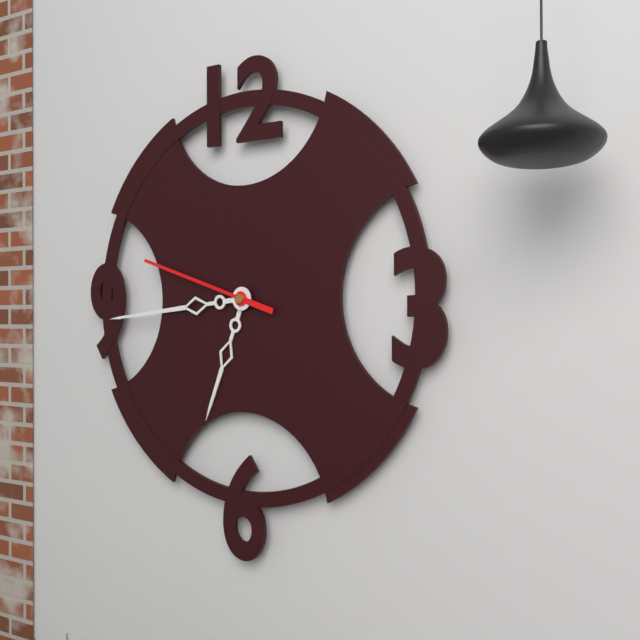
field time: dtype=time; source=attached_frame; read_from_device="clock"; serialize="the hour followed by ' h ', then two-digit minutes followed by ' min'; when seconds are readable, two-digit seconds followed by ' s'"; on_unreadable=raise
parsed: 6 h 44 min 48 s
